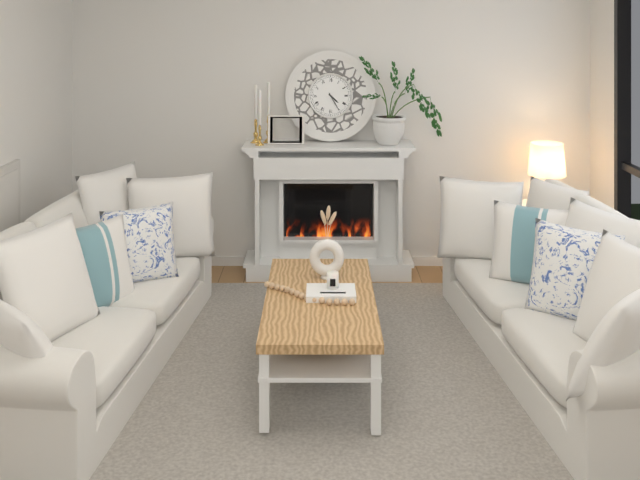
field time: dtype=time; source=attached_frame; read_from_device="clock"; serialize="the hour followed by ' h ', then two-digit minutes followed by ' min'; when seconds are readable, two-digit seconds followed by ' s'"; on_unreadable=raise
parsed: 4 h 25 min
